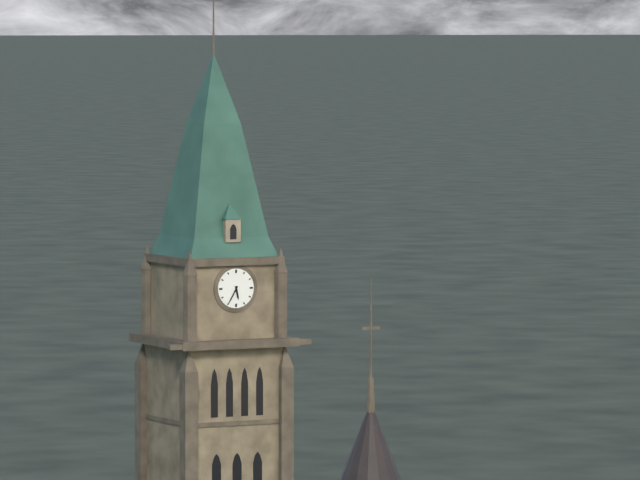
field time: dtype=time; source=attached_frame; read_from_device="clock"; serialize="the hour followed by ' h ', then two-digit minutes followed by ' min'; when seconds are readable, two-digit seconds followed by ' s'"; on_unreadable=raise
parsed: 5 h 35 min
